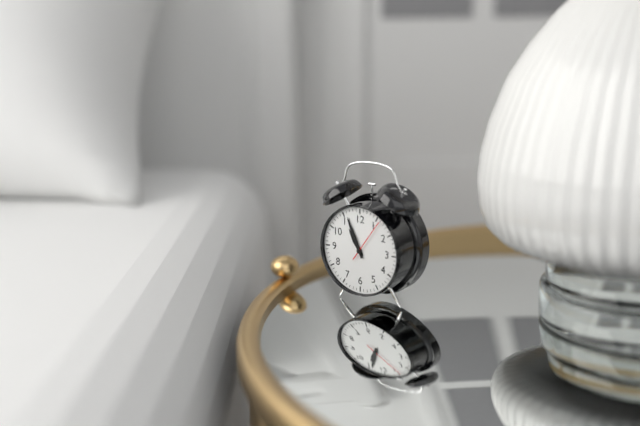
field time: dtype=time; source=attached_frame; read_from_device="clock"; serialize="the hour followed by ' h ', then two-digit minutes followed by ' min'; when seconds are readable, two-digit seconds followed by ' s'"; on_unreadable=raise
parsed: 10 h 56 min
